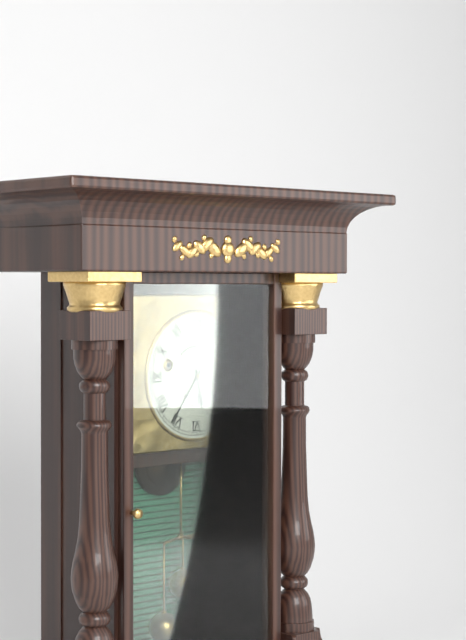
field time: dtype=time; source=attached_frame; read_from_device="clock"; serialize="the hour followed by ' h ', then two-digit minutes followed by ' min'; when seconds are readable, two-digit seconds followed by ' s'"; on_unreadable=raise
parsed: 5 h 36 min
